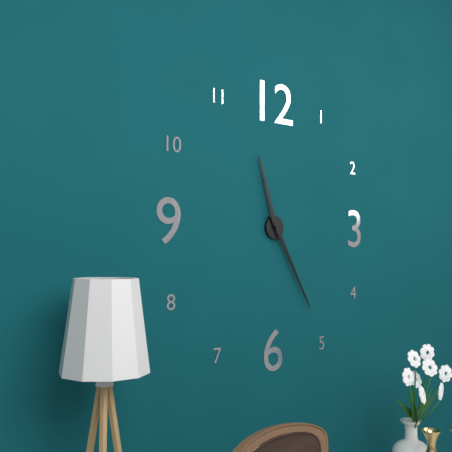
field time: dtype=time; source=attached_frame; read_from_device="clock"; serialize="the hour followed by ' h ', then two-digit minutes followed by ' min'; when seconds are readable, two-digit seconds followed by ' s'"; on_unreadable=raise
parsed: 11 h 25 min
